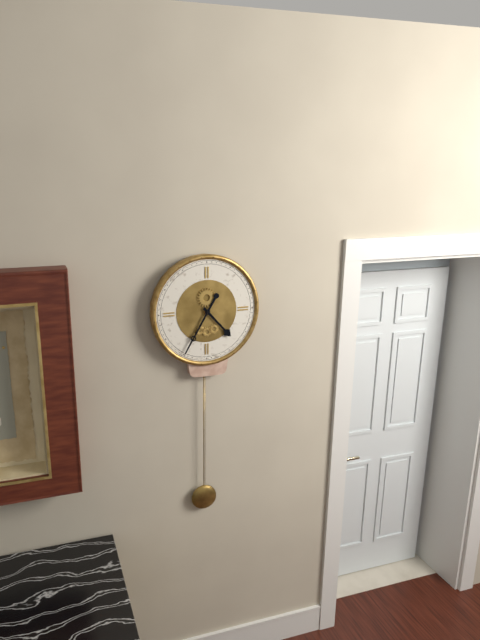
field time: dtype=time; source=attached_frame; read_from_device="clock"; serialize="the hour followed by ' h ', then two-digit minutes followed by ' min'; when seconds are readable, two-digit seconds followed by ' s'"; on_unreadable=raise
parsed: 4 h 35 min
